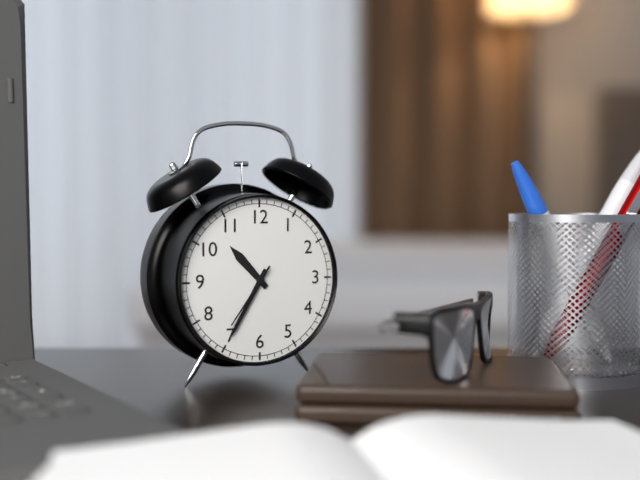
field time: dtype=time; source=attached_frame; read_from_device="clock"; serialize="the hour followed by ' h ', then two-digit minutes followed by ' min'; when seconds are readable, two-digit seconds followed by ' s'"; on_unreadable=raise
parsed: 10 h 35 min 36 s
